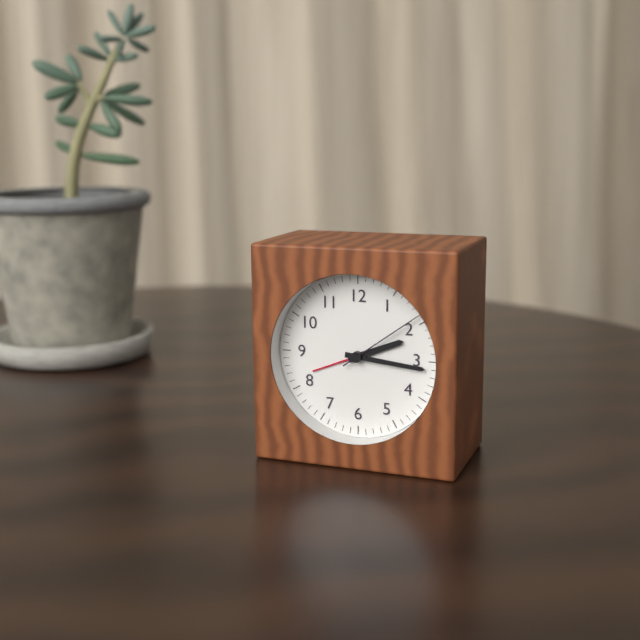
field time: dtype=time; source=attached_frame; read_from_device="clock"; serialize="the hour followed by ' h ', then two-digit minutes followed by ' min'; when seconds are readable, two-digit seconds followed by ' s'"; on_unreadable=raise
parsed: 2 h 16 min 09 s
